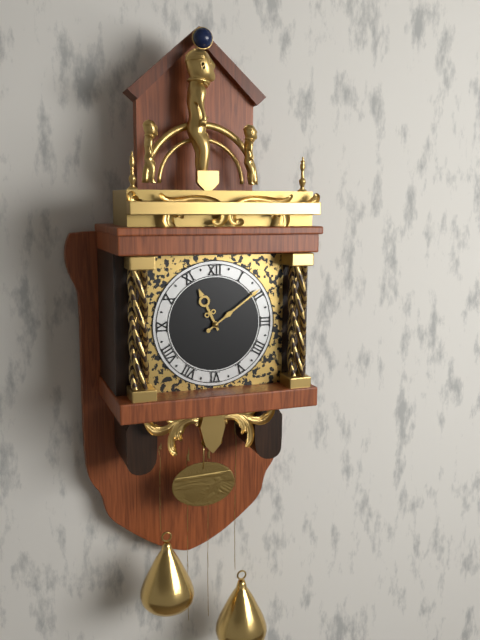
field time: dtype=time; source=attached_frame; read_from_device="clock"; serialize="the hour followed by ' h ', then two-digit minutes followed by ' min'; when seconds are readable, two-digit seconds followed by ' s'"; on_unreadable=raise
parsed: 11 h 09 min
